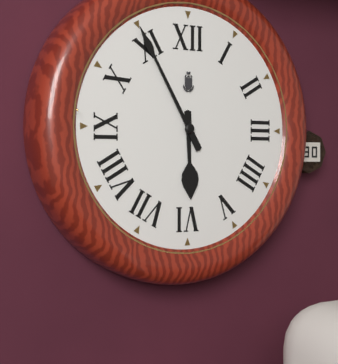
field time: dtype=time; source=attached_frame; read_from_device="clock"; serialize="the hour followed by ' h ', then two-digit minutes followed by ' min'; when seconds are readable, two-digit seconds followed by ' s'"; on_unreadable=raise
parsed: 5 h 55 min
